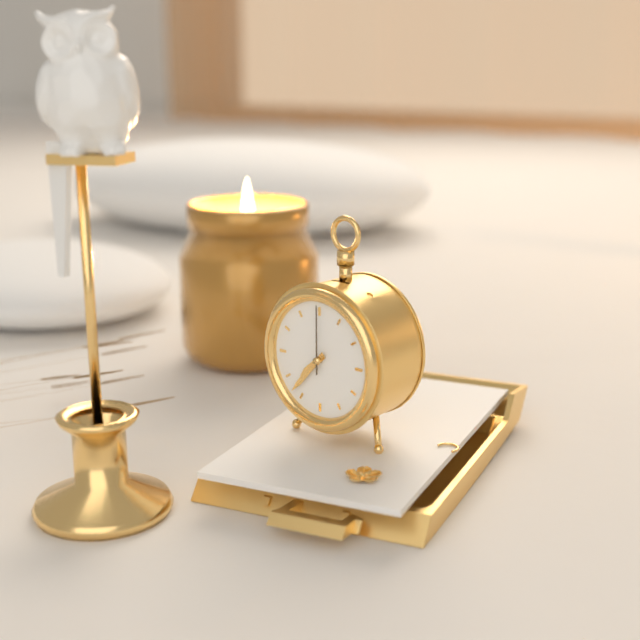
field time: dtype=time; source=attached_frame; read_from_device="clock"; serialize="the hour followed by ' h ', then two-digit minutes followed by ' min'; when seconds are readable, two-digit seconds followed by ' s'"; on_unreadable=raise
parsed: 7 h 37 min 00 s
